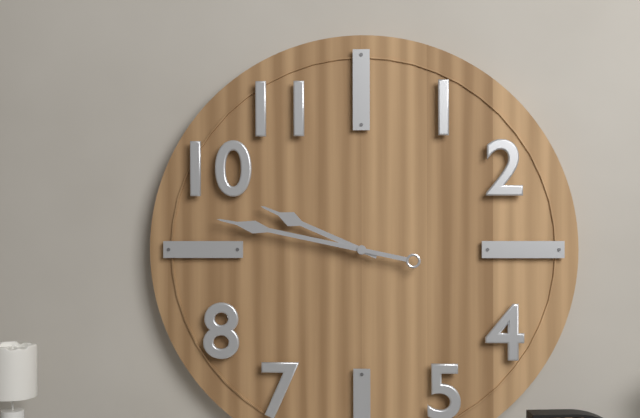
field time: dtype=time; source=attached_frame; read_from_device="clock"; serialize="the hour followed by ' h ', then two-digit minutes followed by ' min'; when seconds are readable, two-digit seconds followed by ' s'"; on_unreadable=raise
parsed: 9 h 47 min
